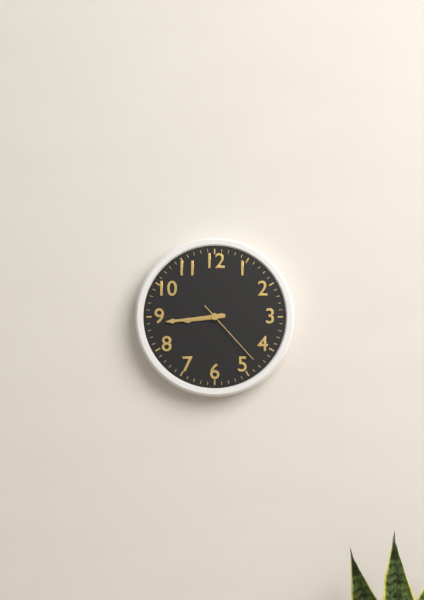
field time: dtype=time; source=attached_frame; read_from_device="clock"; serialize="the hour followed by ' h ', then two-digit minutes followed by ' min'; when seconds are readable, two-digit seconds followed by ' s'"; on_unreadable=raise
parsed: 8 h 44 min 23 s
